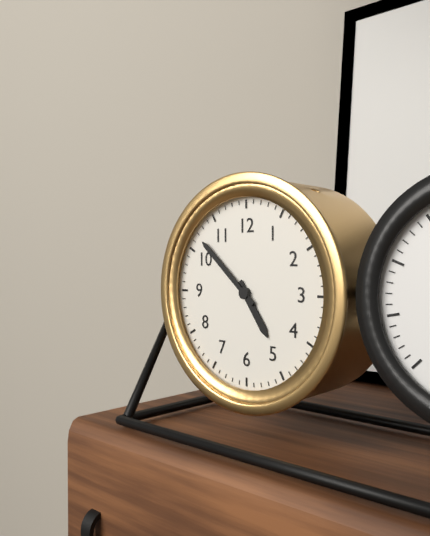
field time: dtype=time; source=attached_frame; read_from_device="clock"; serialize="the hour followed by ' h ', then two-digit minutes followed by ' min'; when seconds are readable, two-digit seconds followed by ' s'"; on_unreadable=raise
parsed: 4 h 52 min
